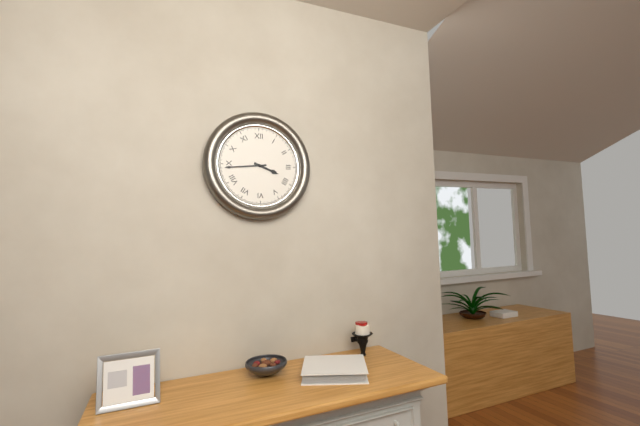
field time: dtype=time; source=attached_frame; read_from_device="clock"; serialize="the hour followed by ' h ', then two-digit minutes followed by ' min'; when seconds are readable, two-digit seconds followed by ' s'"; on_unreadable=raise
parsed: 3 h 44 min
